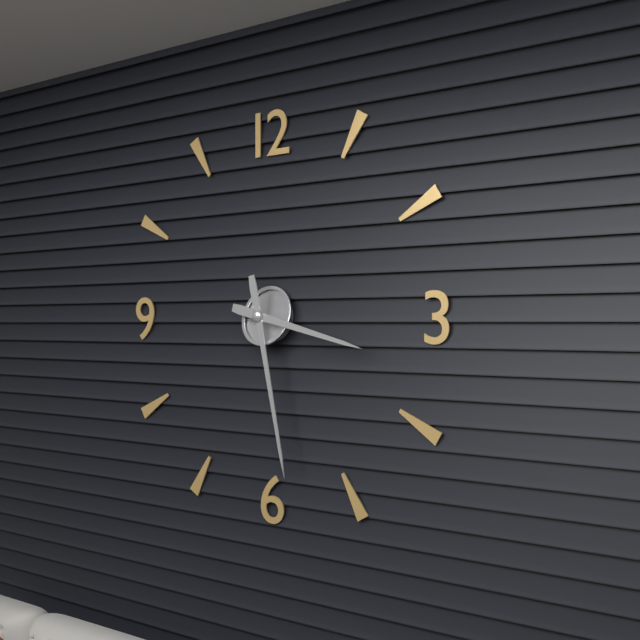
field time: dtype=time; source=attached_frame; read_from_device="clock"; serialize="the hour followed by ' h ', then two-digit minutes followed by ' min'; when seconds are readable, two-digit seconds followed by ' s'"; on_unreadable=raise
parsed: 3 h 28 min
